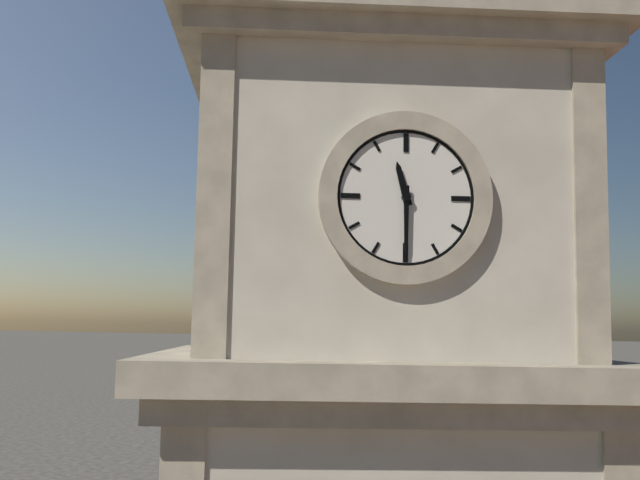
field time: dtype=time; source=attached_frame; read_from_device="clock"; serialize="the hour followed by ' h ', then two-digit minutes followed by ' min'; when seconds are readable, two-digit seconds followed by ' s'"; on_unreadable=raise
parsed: 11 h 30 min
